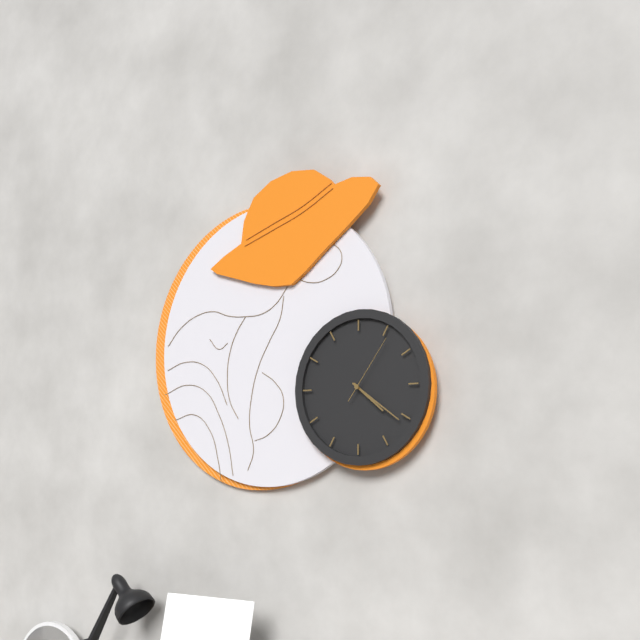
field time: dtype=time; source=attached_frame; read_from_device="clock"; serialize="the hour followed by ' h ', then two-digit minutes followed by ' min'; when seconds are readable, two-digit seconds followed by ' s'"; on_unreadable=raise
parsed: 4 h 21 min 06 s
